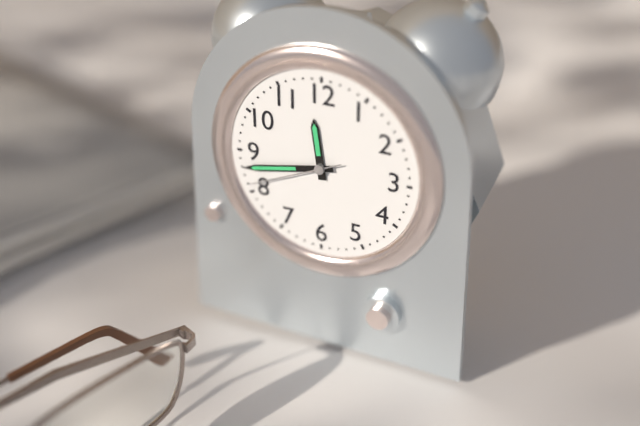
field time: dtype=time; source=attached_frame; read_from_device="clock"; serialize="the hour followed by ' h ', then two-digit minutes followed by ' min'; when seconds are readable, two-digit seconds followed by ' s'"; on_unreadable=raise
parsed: 11 h 43 min 41 s
